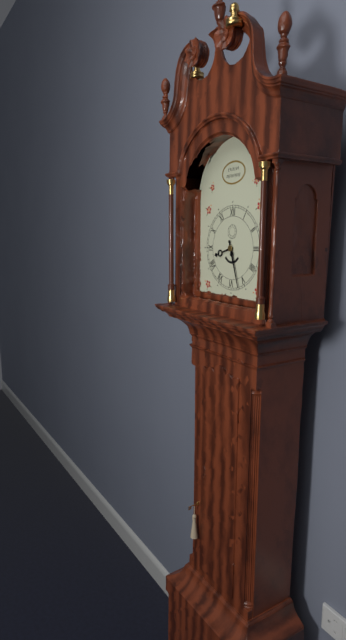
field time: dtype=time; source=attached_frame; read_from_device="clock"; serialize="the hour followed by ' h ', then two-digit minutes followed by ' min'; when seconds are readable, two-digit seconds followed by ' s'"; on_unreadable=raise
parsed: 8 h 27 min
